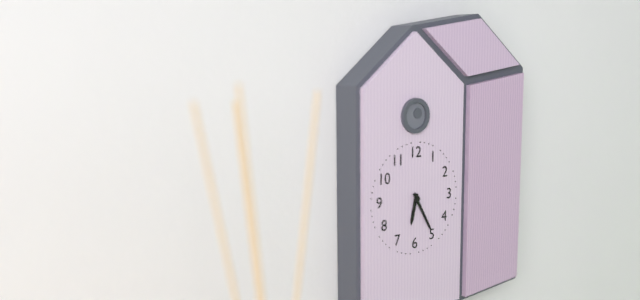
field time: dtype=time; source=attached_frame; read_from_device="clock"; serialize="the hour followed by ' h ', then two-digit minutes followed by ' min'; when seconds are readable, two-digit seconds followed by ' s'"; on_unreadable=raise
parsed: 6 h 25 min
